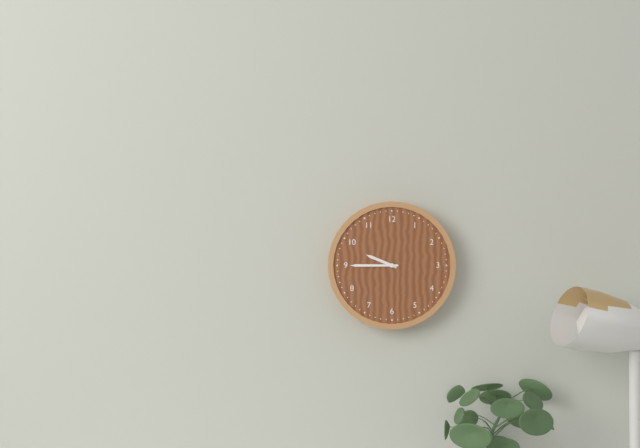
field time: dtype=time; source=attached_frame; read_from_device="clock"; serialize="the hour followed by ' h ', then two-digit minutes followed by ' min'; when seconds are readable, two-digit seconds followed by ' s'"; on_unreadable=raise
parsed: 9 h 45 min
